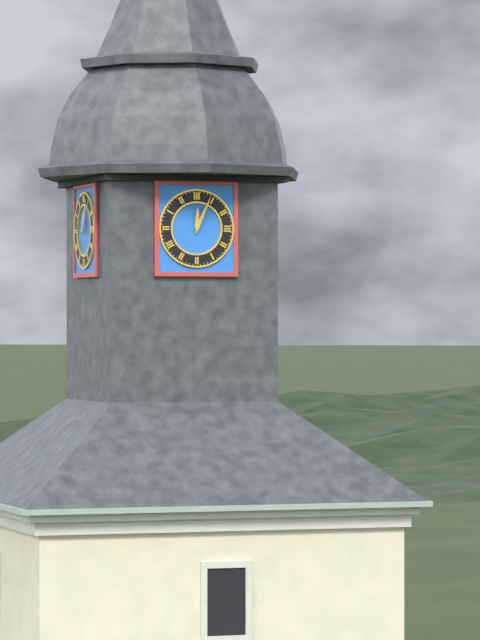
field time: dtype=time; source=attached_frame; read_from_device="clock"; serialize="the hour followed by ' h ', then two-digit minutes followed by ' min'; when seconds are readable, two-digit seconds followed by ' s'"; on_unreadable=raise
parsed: 12 h 04 min
